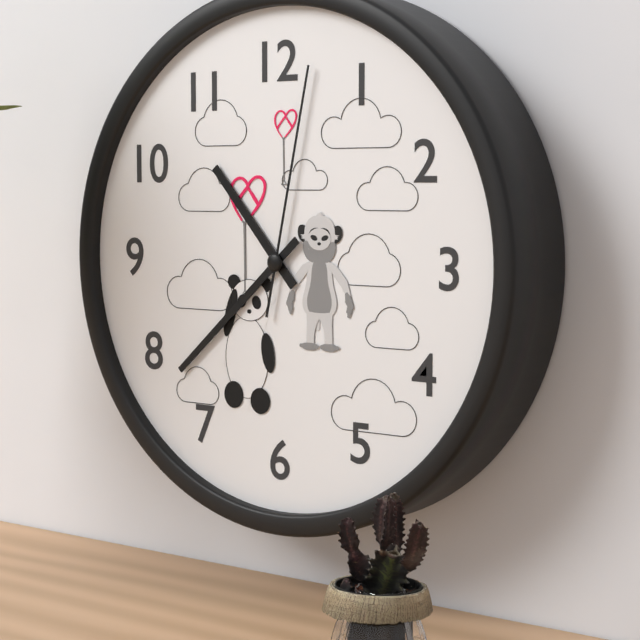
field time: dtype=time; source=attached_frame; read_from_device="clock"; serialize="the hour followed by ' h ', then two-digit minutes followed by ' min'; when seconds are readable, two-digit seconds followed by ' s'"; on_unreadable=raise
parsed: 10 h 38 min 02 s
